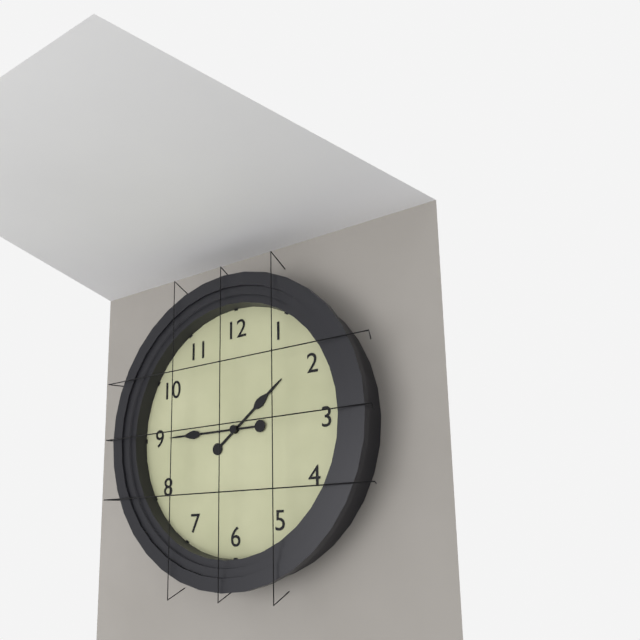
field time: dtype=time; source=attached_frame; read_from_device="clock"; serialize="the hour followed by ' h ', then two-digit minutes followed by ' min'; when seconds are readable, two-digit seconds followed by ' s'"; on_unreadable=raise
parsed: 1 h 45 min
